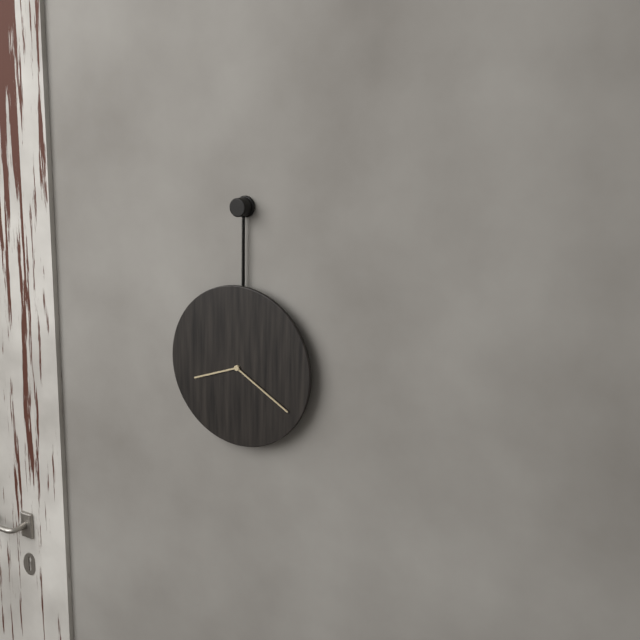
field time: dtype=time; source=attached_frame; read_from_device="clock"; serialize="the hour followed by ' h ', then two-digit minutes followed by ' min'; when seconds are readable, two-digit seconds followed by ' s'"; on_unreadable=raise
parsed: 8 h 20 min
